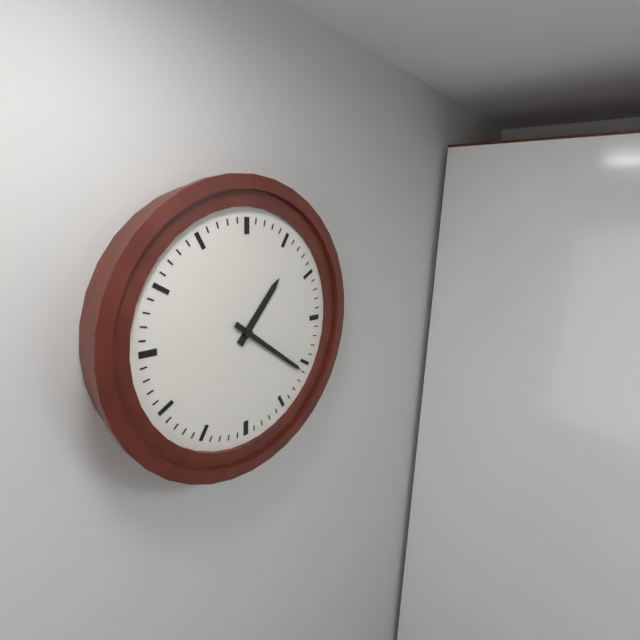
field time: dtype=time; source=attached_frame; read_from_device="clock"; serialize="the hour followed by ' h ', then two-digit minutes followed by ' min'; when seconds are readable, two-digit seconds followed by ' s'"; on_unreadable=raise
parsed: 1 h 21 min
